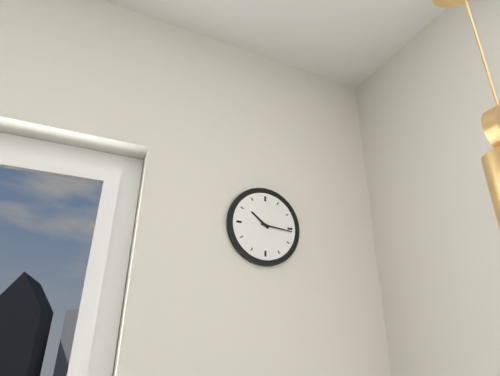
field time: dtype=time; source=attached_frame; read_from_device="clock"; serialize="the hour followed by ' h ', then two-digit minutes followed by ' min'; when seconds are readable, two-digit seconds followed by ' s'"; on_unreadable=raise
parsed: 10 h 16 min
